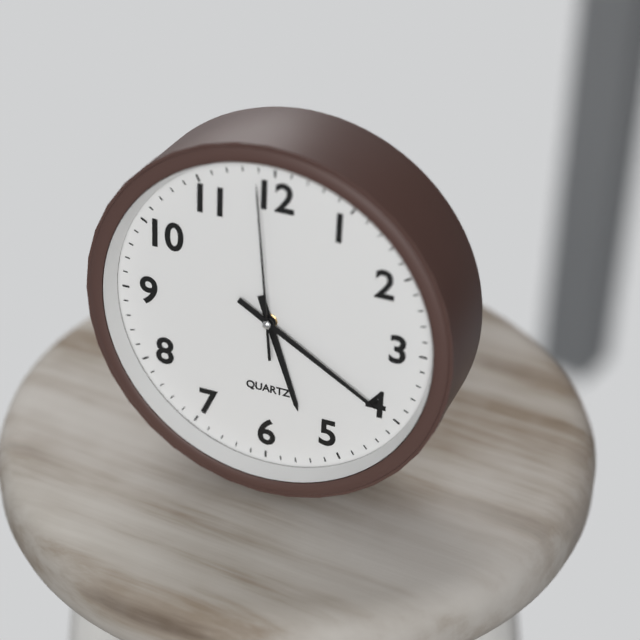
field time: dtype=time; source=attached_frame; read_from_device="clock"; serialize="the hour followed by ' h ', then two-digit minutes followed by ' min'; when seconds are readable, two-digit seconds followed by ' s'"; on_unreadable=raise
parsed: 5 h 20 min 59 s
